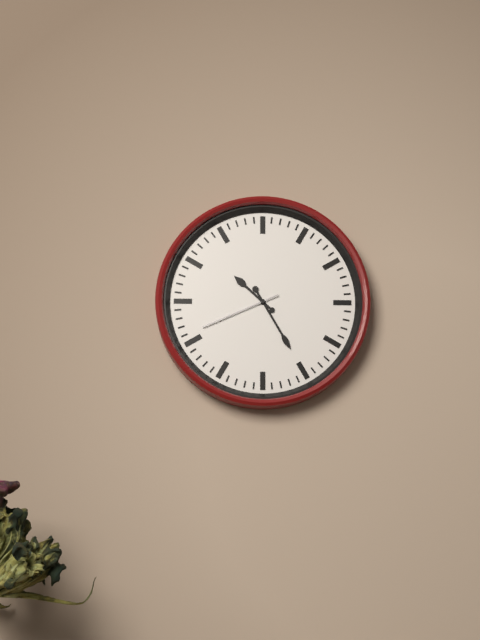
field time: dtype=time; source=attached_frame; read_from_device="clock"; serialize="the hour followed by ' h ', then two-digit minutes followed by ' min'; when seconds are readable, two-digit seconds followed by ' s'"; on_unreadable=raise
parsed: 10 h 25 min 41 s
